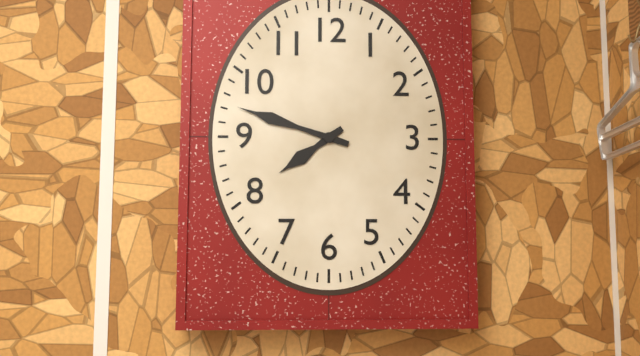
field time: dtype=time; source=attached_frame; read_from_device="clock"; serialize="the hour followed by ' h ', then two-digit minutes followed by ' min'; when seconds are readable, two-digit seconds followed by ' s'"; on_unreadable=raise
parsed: 7 h 48 min
